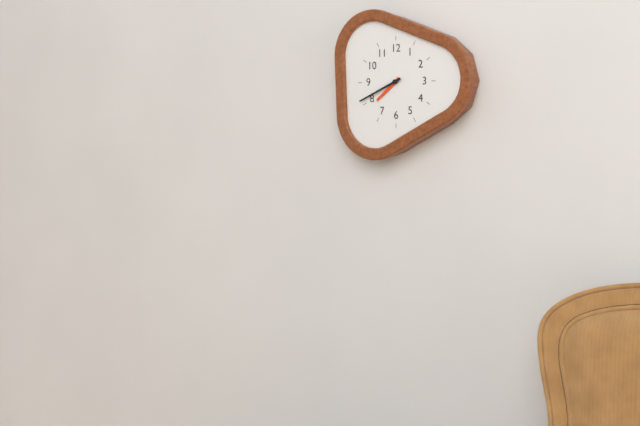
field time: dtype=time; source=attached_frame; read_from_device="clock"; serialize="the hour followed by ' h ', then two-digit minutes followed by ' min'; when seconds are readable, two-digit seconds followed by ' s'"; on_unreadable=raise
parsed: 7 h 41 min
